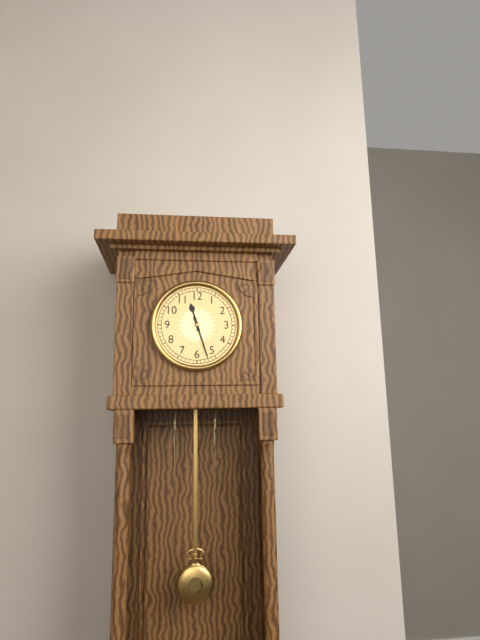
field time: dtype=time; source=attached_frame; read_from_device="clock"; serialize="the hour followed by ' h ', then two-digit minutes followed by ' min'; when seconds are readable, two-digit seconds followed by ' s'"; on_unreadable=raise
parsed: 11 h 27 min
